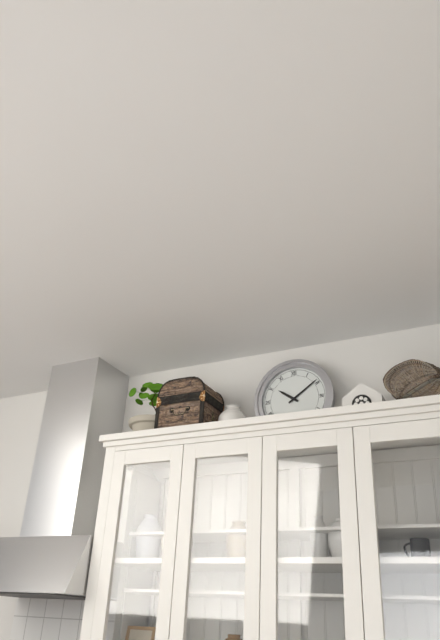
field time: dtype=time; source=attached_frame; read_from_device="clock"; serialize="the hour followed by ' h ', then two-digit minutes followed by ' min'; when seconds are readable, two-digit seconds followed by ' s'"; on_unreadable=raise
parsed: 10 h 09 min
